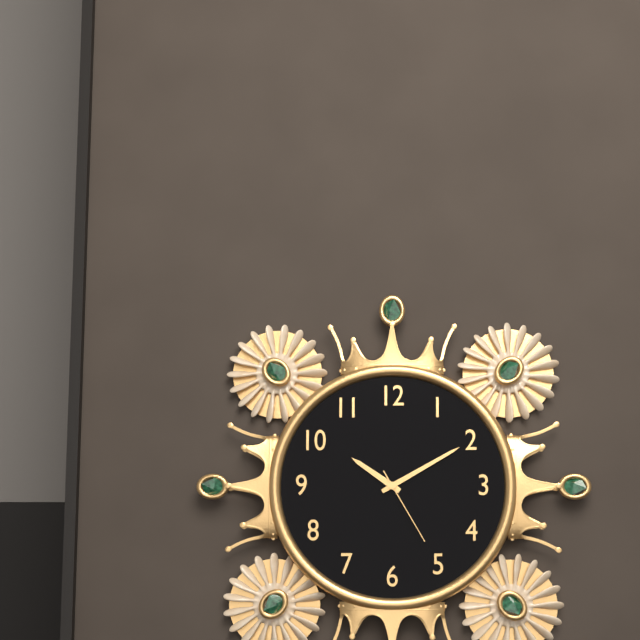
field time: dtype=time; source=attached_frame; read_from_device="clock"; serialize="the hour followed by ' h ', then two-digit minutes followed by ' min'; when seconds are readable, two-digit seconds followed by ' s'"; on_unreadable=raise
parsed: 10 h 10 min 25 s
